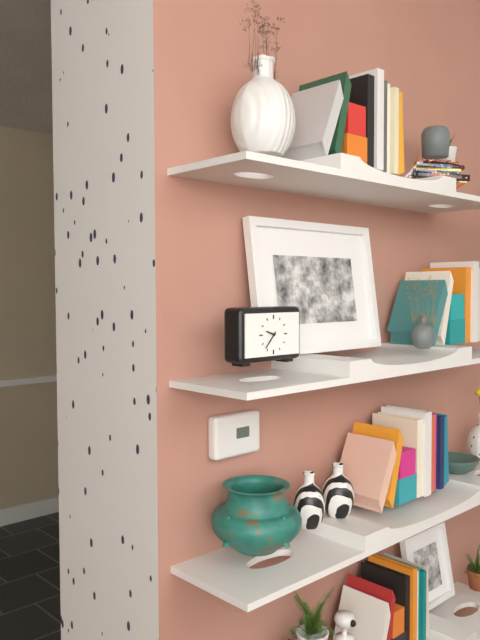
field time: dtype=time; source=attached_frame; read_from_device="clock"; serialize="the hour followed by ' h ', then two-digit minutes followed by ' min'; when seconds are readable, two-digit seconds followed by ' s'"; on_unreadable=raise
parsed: 9 h 37 min
